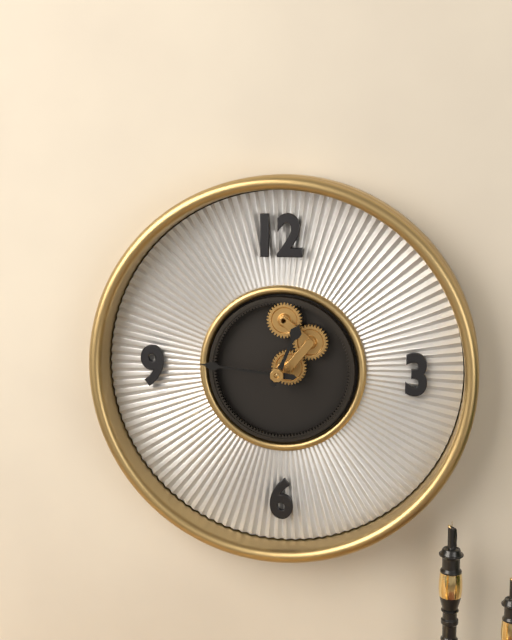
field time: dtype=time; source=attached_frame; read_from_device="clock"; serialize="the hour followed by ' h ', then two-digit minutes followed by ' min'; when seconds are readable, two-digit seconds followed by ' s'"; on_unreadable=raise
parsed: 12 h 46 min
